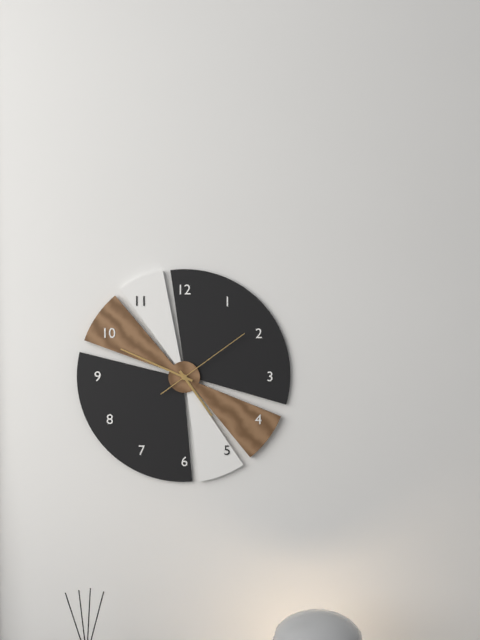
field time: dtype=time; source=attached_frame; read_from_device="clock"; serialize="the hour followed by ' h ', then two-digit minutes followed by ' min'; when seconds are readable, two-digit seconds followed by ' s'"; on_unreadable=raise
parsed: 4 h 49 min 09 s
